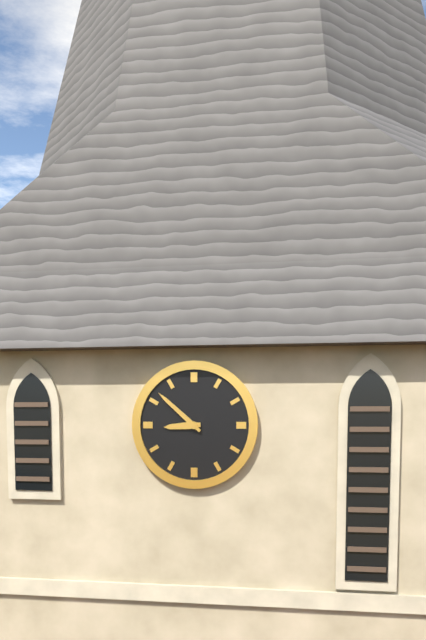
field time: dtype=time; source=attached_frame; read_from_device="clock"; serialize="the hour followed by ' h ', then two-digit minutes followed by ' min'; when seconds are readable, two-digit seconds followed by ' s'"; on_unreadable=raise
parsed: 8 h 52 min
